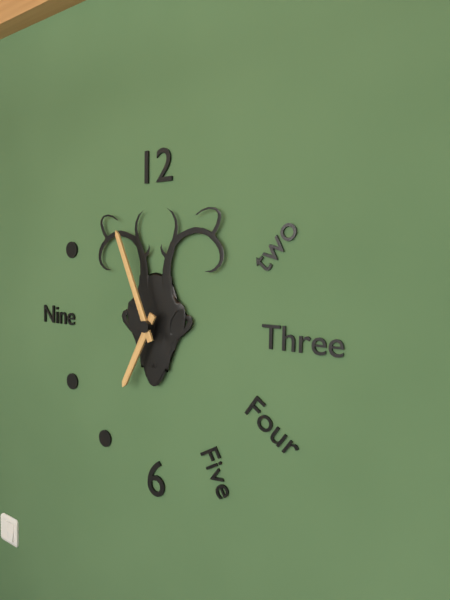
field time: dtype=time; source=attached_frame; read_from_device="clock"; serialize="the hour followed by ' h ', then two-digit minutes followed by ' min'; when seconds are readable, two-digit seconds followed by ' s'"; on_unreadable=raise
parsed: 6 h 56 min
